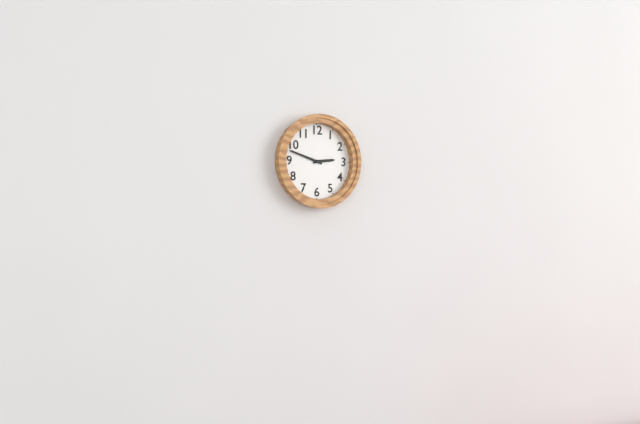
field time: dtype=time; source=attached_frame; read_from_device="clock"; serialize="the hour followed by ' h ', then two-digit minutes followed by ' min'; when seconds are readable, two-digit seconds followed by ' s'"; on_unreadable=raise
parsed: 2 h 48 min
